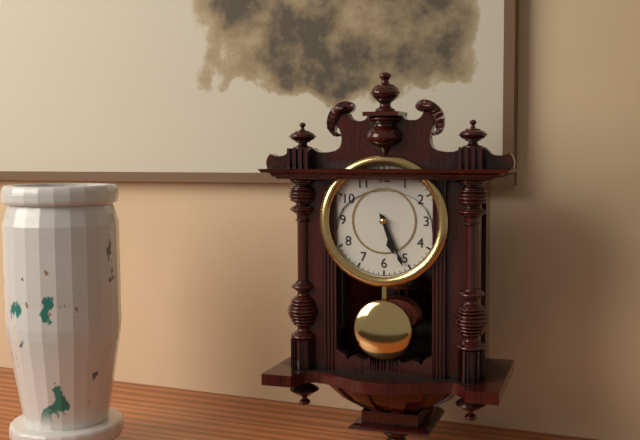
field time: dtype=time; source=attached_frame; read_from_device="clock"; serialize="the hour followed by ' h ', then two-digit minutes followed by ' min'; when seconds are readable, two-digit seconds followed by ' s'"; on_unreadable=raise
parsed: 5 h 26 min
